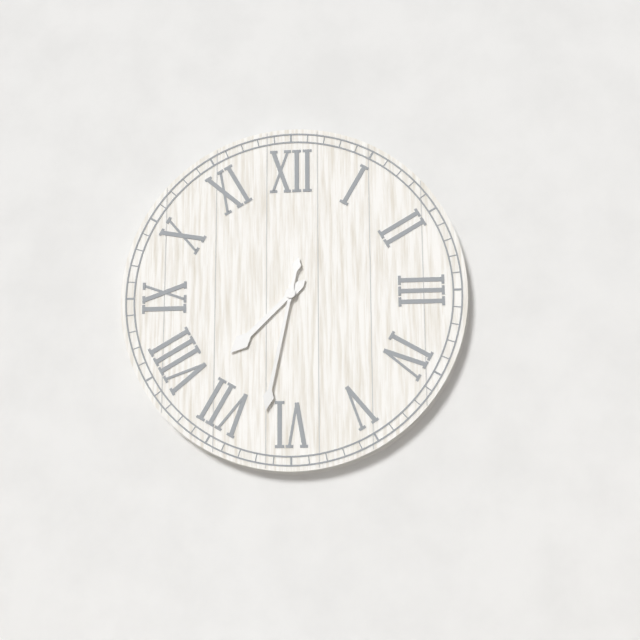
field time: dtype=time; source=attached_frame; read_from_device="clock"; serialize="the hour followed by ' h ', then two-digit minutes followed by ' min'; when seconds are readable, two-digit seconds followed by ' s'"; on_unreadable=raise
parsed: 7 h 32 min
